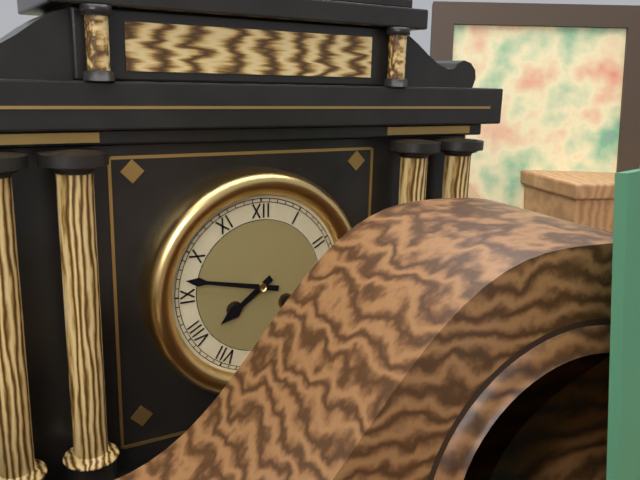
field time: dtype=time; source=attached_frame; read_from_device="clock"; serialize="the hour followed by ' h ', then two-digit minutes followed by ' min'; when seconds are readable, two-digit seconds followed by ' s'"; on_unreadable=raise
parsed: 7 h 47 min
